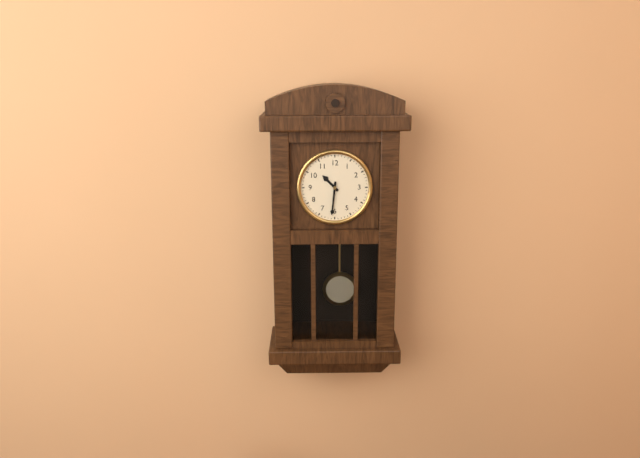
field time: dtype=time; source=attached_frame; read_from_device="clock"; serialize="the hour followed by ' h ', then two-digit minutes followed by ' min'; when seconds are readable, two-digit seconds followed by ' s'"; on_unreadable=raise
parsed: 10 h 31 min
